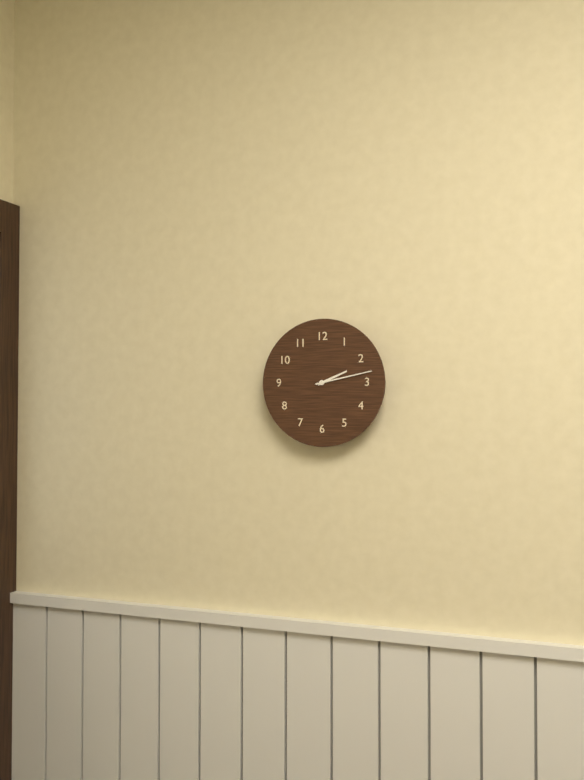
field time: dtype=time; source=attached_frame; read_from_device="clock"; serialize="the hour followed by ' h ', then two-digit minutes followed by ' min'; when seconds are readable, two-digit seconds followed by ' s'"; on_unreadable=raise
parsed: 2 h 13 min
